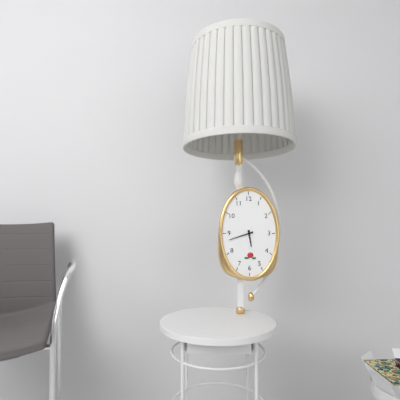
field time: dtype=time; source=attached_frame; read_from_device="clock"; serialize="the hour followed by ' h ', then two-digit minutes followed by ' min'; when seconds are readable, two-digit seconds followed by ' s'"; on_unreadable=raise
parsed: 5 h 42 min
